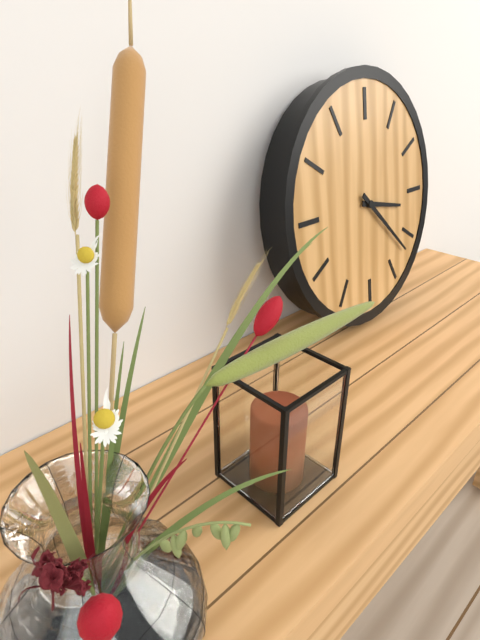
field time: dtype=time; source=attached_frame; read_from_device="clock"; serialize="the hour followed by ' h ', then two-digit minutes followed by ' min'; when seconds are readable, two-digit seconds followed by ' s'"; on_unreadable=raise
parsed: 3 h 22 min
